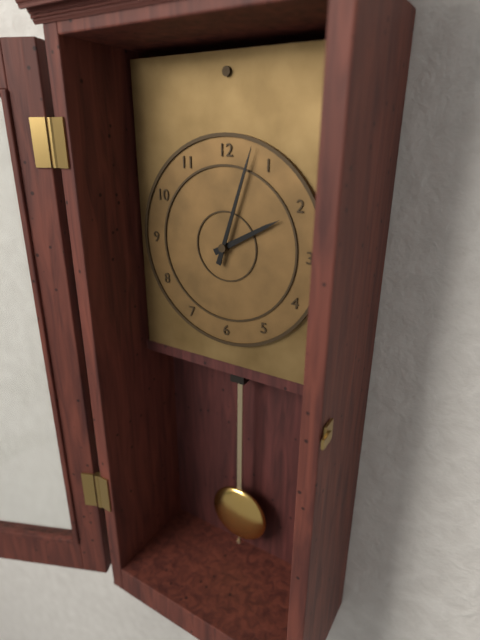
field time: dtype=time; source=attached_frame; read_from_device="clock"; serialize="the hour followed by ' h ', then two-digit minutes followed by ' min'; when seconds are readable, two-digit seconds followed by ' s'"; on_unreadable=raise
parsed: 2 h 03 min
